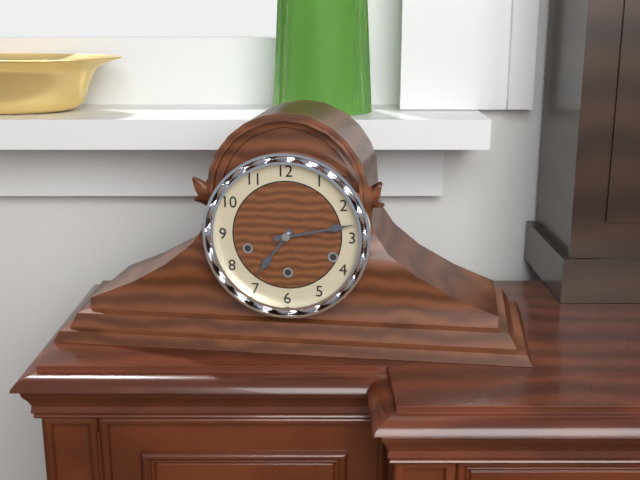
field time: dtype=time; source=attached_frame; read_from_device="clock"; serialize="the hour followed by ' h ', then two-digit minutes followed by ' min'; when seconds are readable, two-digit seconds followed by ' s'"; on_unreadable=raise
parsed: 7 h 13 min
